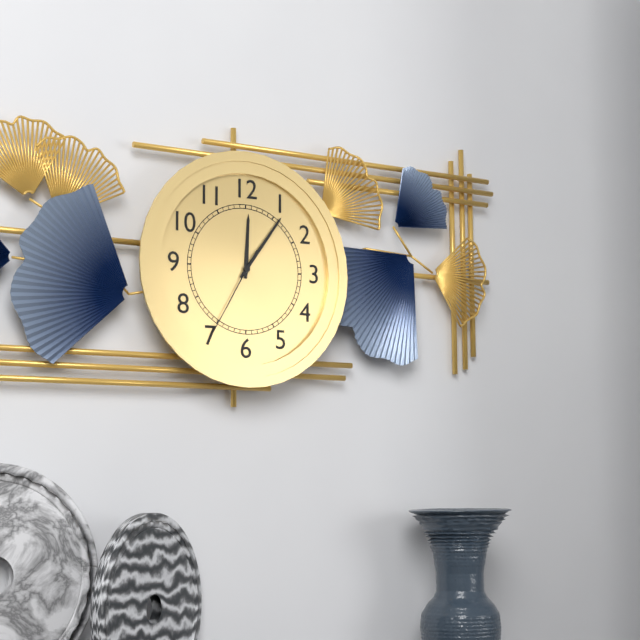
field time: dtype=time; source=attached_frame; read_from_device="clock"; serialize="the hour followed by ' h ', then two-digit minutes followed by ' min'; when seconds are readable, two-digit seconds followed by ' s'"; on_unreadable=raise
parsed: 12 h 06 min 35 s
